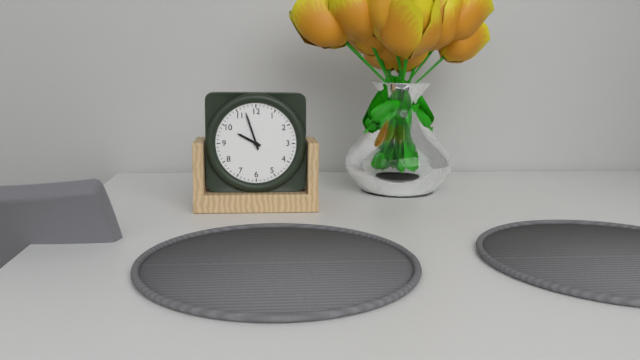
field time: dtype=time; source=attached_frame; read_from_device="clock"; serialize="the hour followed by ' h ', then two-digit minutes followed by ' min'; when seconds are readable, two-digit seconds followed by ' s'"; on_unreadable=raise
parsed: 9 h 57 min
